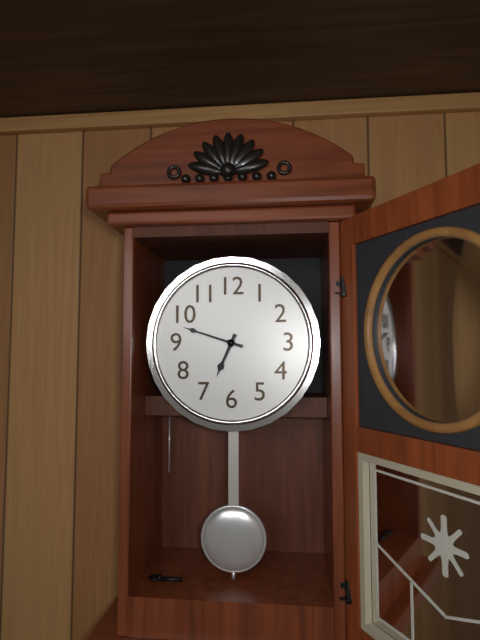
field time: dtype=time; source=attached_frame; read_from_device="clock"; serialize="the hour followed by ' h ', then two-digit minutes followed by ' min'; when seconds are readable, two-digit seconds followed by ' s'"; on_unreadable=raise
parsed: 6 h 48 min
